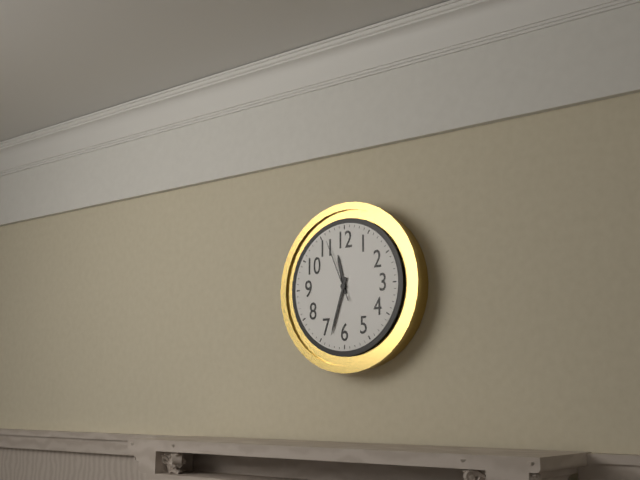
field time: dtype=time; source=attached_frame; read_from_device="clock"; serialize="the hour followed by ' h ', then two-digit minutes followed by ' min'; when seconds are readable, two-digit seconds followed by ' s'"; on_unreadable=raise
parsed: 11 h 33 min 56 s
